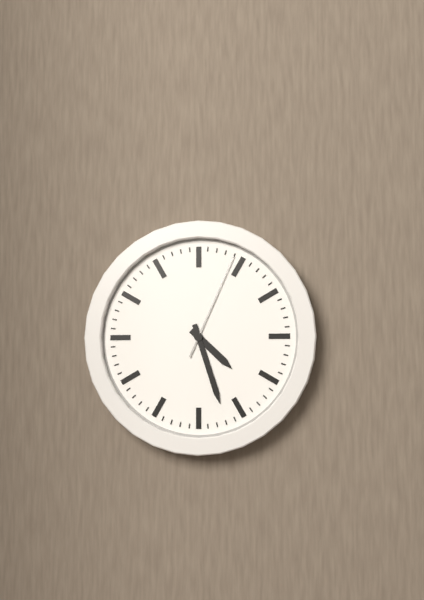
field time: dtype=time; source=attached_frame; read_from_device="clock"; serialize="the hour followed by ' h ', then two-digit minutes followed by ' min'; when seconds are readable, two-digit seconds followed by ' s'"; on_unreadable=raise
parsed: 4 h 27 min 04 s
